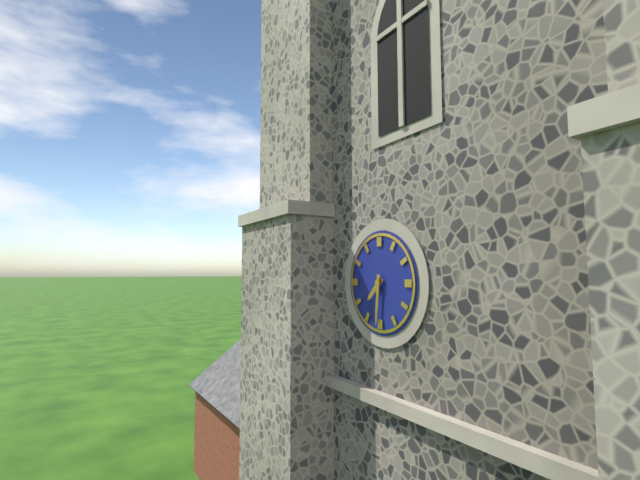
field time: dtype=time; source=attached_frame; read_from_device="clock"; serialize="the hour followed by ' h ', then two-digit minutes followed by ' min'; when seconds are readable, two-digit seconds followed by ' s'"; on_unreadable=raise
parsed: 7 h 31 min
